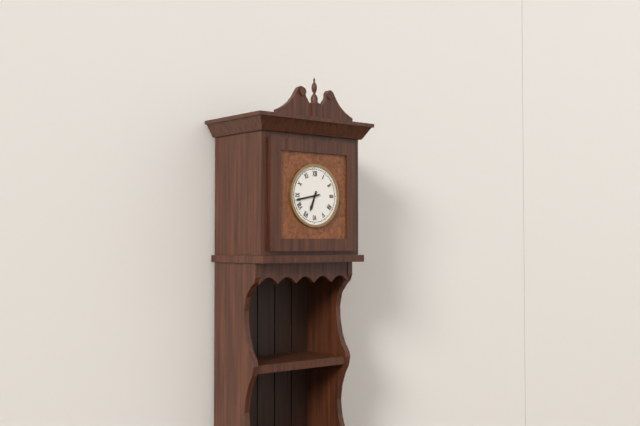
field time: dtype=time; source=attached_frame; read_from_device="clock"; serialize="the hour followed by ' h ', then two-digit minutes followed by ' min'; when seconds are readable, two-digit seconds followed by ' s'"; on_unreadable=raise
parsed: 6 h 43 min
